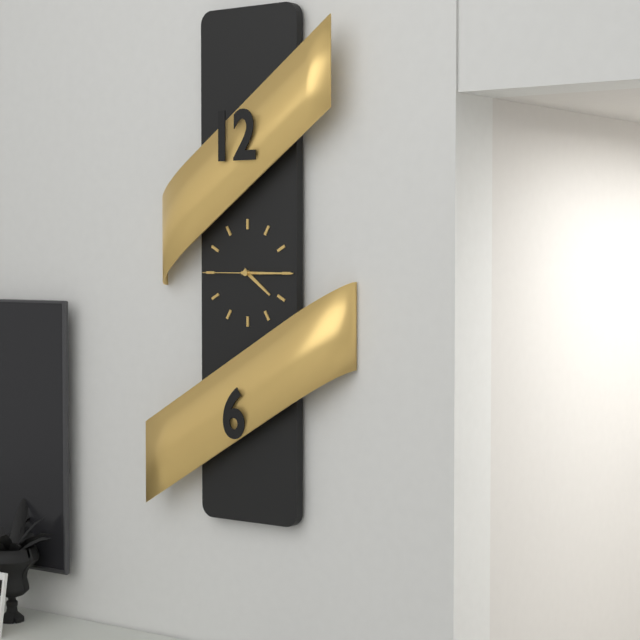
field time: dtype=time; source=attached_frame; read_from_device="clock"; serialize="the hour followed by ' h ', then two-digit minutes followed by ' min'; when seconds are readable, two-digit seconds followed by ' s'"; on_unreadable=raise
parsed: 4 h 15 min 45 s
